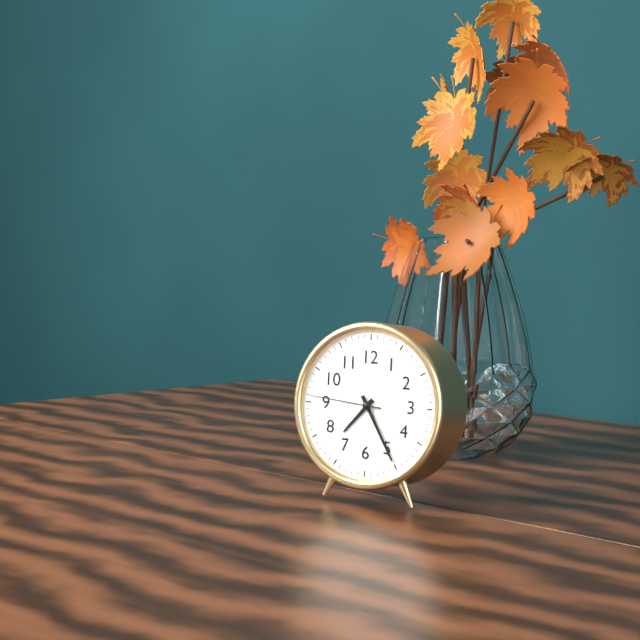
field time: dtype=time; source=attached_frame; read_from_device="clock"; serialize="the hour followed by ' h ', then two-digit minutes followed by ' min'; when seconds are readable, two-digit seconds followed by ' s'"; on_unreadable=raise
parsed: 7 h 25 min 46 s
